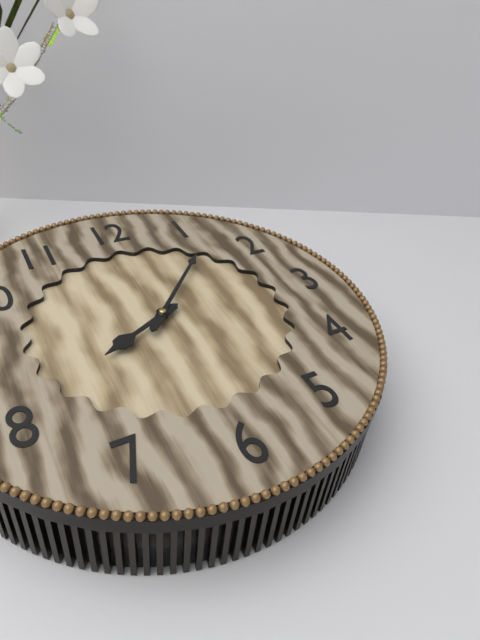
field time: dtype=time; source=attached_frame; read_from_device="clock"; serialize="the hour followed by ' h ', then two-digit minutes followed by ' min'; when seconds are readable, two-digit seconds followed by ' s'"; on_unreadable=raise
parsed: 8 h 07 min
